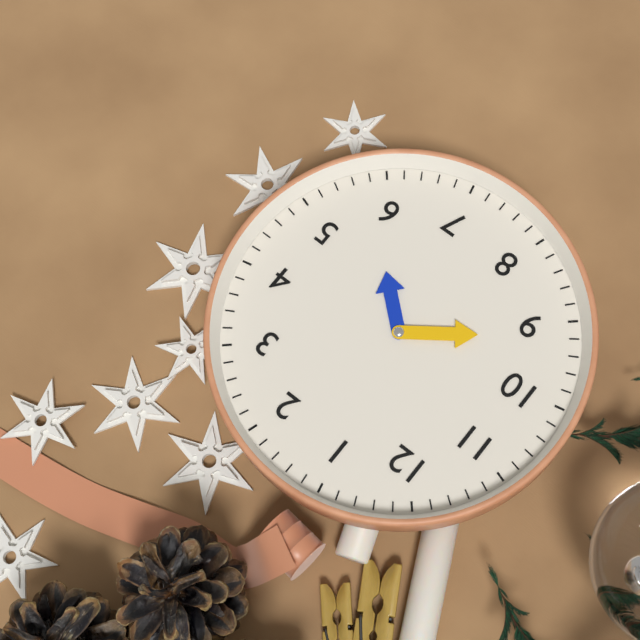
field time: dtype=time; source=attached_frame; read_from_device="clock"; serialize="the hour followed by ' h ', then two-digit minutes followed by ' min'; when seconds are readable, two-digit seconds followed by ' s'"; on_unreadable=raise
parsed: 5 h 46 min
